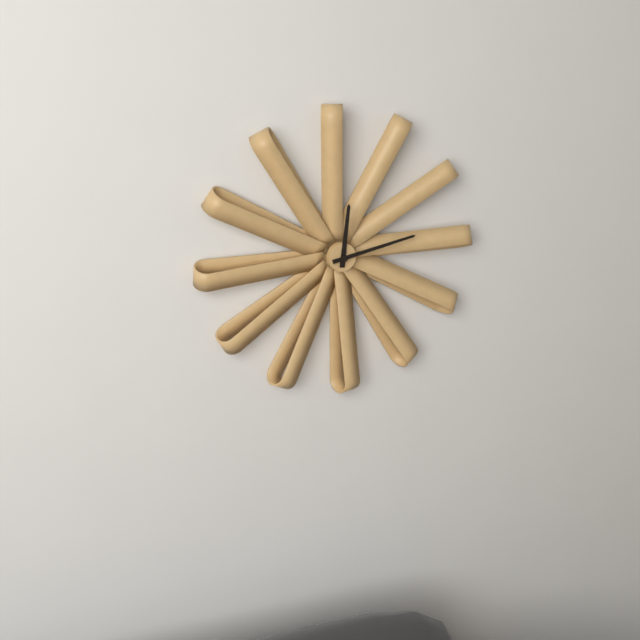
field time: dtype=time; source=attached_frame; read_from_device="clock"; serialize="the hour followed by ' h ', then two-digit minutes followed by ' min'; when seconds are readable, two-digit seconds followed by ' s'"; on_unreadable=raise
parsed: 12 h 13 min
